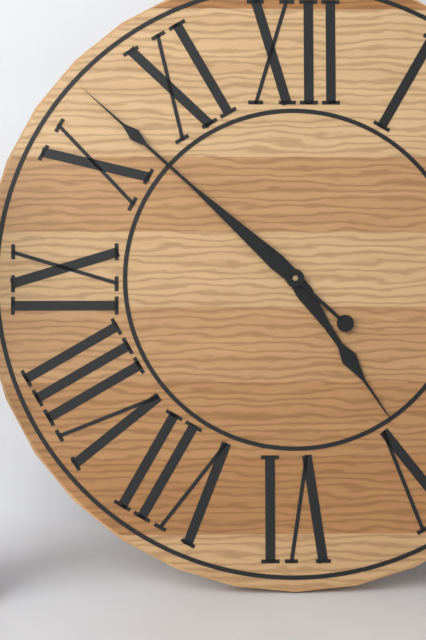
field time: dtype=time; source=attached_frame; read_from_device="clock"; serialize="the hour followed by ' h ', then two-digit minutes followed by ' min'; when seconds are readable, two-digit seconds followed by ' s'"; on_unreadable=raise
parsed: 4 h 52 min
